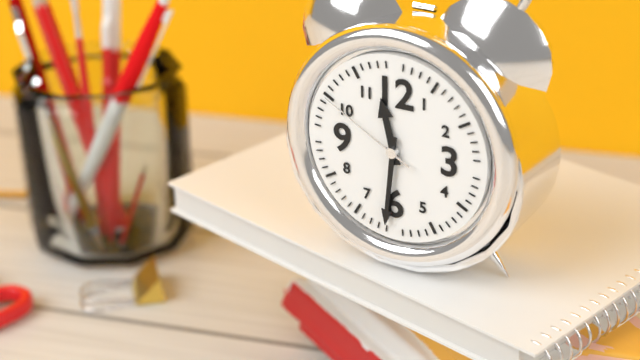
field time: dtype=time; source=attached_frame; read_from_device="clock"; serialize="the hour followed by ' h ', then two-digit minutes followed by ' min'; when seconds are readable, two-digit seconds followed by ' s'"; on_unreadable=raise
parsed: 11 h 31 min 50 s
